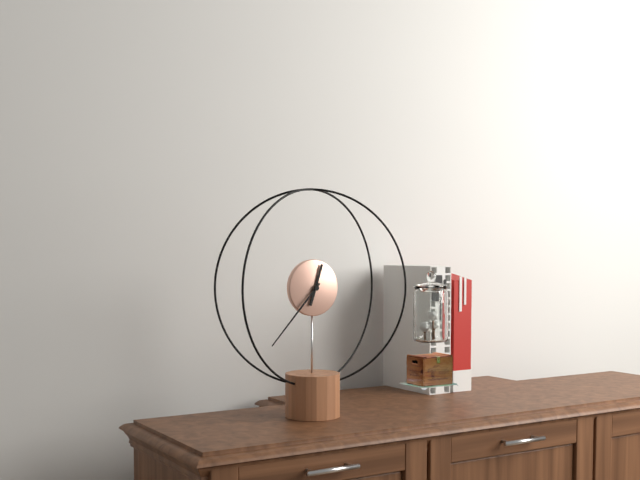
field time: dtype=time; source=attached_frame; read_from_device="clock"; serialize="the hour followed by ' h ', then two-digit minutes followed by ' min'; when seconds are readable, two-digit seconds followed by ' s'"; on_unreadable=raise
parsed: 12 h 37 min
